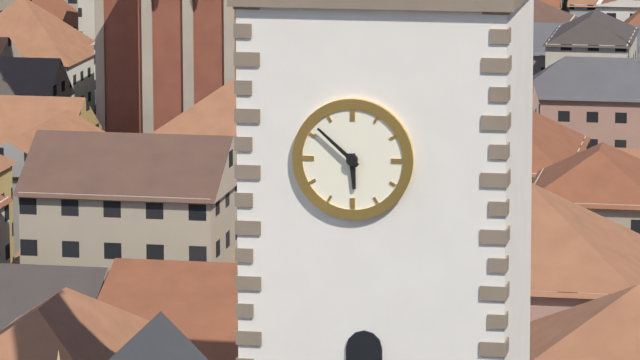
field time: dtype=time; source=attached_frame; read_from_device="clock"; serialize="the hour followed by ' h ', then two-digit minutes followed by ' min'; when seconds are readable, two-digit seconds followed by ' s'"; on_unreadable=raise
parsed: 5 h 52 min
